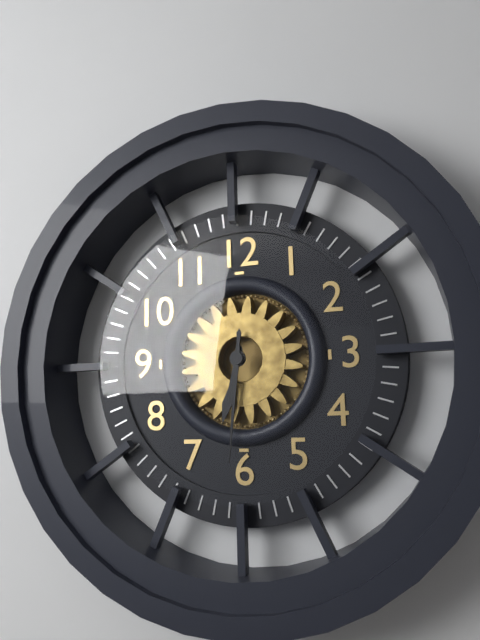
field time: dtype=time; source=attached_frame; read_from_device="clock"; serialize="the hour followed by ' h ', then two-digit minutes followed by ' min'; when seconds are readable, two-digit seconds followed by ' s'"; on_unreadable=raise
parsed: 6 h 31 min
